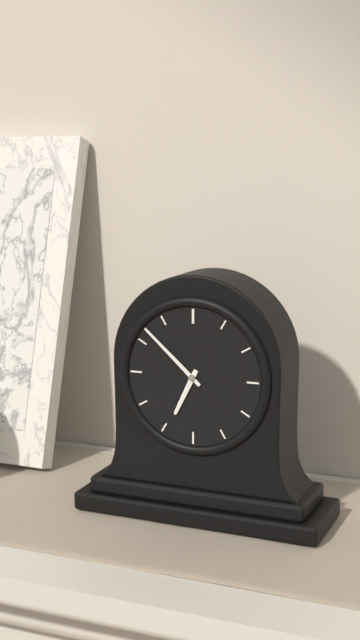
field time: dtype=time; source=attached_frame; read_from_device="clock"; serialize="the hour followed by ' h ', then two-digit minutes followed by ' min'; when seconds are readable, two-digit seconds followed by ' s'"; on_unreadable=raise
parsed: 6 h 52 min
